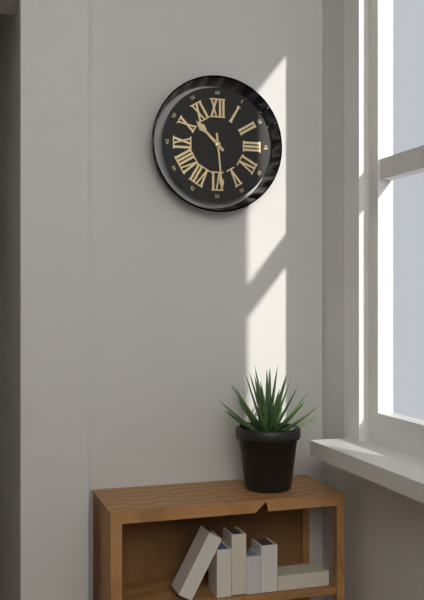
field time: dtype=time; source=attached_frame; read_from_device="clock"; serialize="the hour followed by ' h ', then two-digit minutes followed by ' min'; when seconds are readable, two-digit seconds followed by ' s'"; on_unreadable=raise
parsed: 10 h 29 min
